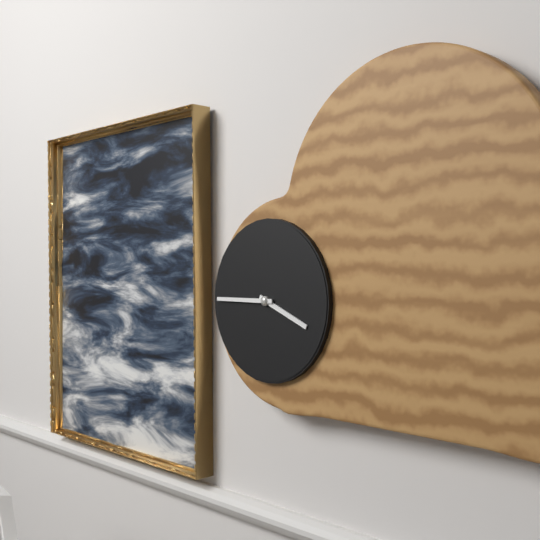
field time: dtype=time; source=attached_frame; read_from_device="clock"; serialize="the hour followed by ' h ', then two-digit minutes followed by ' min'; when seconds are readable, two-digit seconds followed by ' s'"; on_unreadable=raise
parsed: 3 h 45 min
